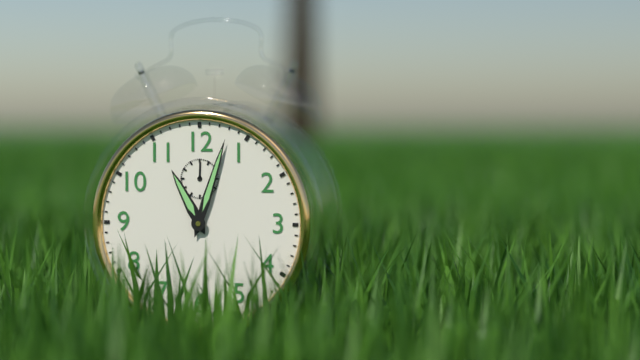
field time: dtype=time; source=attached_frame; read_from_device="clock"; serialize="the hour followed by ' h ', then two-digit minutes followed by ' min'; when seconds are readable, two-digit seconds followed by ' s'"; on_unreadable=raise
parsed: 11 h 03 min
